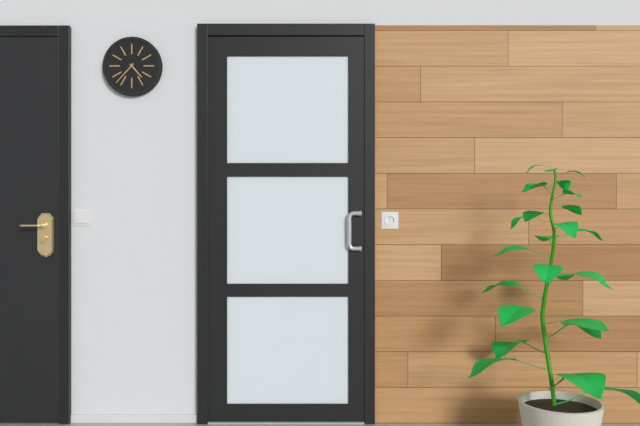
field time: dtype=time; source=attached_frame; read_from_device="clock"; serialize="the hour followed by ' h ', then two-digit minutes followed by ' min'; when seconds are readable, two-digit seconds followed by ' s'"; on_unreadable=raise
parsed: 4 h 37 min
